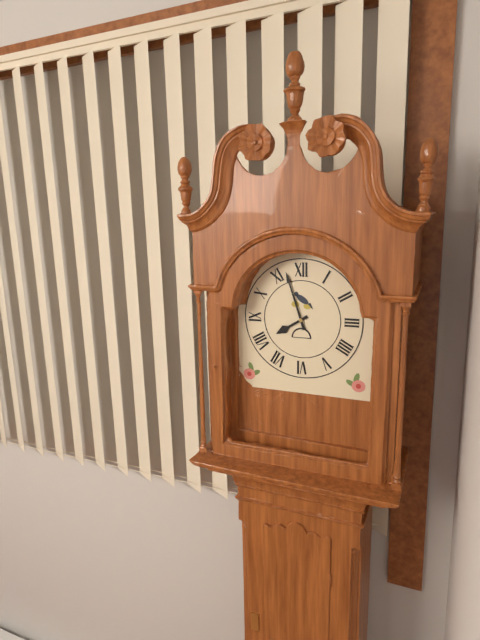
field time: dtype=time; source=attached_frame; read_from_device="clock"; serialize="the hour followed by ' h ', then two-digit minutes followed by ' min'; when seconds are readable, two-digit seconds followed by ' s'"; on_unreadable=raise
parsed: 7 h 57 min
